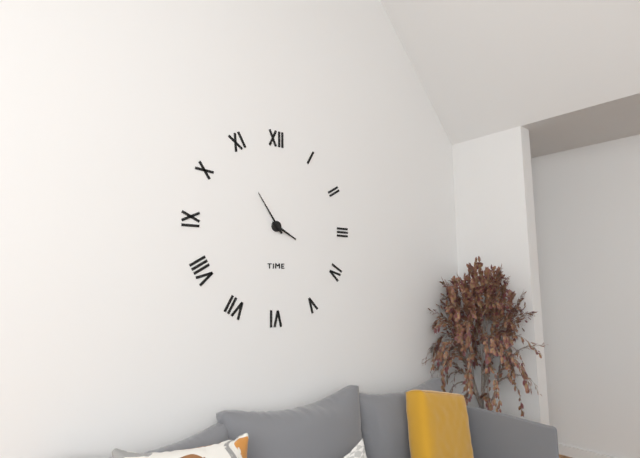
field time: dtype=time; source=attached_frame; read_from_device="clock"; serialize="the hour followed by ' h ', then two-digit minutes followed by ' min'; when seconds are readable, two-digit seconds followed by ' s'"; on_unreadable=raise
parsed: 3 h 54 min
